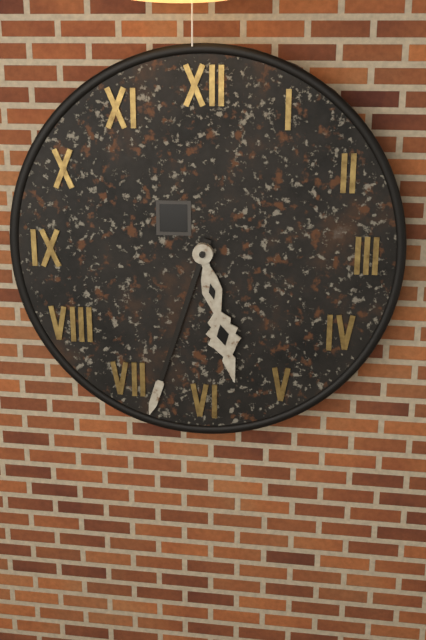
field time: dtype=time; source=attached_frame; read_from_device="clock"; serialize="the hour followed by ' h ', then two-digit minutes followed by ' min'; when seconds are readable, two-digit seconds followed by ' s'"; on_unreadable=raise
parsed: 5 h 33 min
